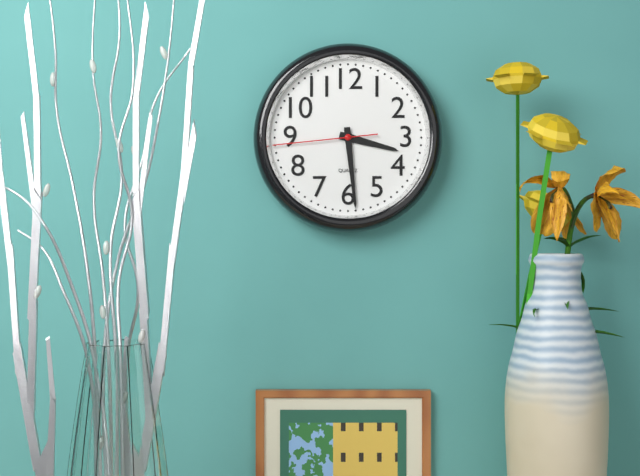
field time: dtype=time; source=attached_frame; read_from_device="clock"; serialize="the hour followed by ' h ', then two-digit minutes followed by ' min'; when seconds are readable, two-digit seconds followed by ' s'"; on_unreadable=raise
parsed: 3 h 29 min 44 s
